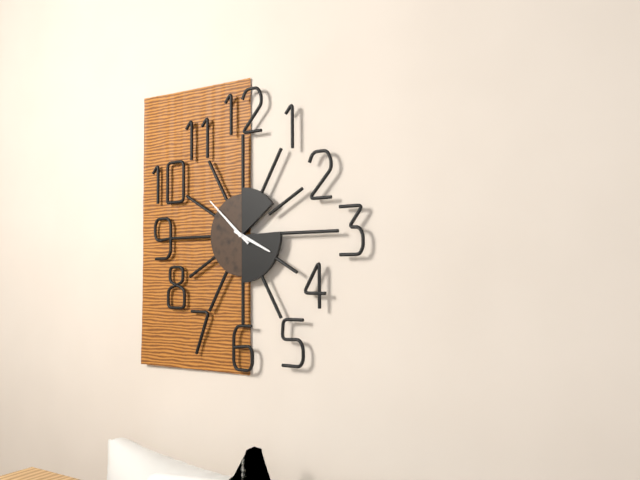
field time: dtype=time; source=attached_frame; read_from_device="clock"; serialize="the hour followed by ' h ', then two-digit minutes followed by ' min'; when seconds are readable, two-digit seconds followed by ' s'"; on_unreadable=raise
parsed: 3 h 52 min
